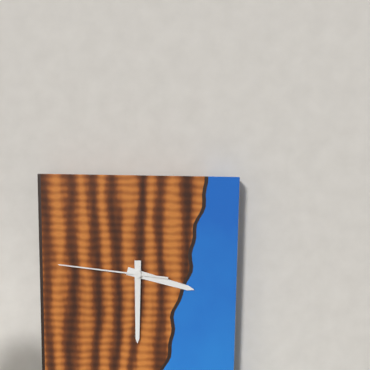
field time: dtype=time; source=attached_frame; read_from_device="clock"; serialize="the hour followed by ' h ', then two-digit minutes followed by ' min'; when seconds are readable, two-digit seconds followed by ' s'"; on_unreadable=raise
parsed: 3 h 30 min 46 s
